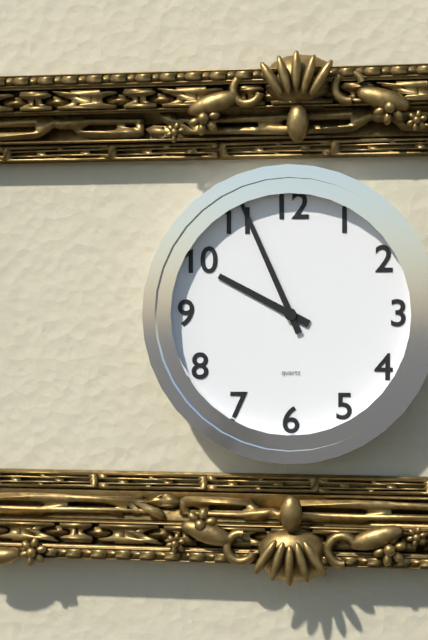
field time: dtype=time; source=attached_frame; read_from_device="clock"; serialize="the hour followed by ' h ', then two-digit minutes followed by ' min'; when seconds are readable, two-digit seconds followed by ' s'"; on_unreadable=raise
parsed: 9 h 56 min
